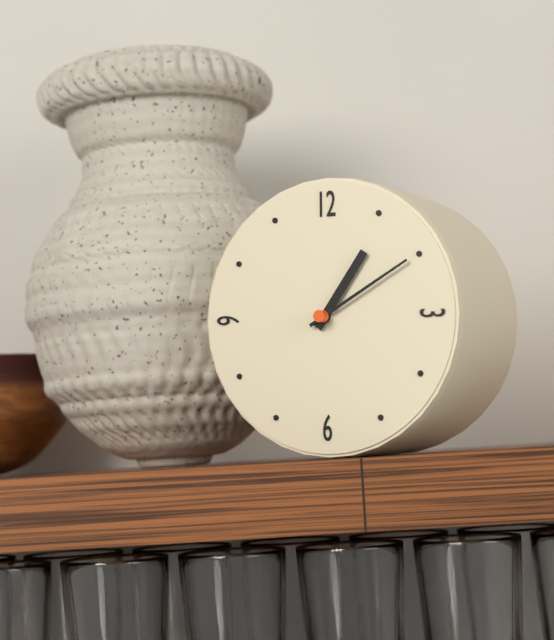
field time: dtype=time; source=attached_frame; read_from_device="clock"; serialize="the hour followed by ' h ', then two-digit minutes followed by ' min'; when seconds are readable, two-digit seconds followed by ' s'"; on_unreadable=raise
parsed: 1 h 10 min
